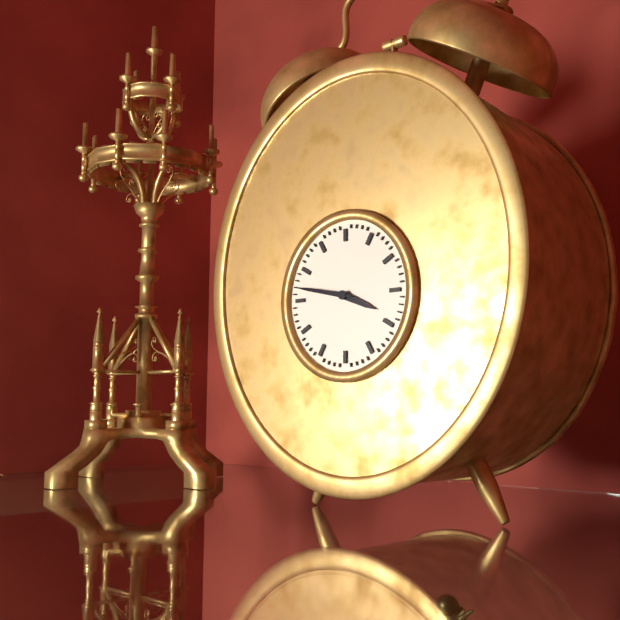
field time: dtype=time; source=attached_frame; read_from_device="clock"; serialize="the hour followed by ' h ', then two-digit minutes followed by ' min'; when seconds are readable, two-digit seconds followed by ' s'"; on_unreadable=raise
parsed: 3 h 47 min
